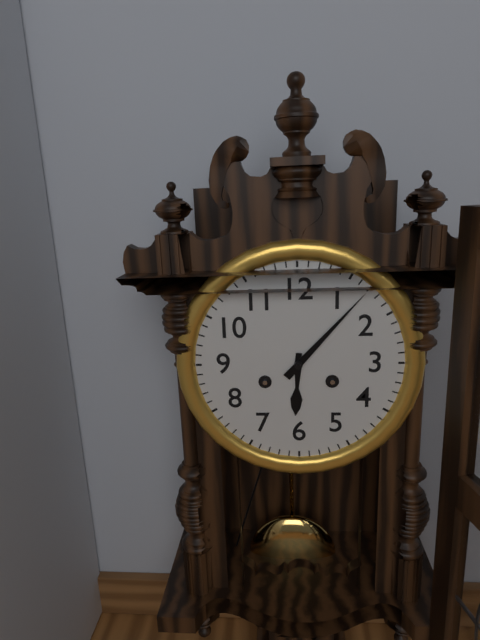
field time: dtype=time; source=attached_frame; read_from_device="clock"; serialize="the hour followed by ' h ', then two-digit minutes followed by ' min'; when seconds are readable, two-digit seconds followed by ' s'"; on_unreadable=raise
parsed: 6 h 07 min
